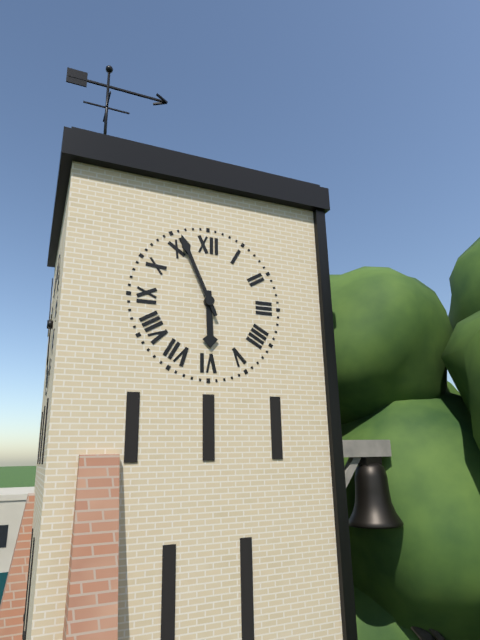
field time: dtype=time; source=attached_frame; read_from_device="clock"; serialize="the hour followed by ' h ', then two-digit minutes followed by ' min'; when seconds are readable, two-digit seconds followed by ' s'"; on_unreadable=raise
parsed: 5 h 56 min
